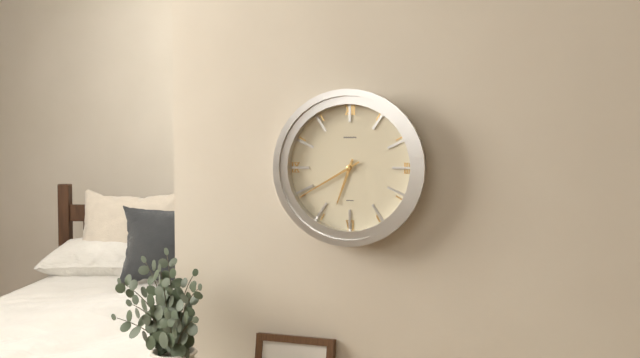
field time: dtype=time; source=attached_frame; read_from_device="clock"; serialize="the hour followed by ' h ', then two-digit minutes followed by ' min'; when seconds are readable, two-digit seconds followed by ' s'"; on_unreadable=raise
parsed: 6 h 40 min
